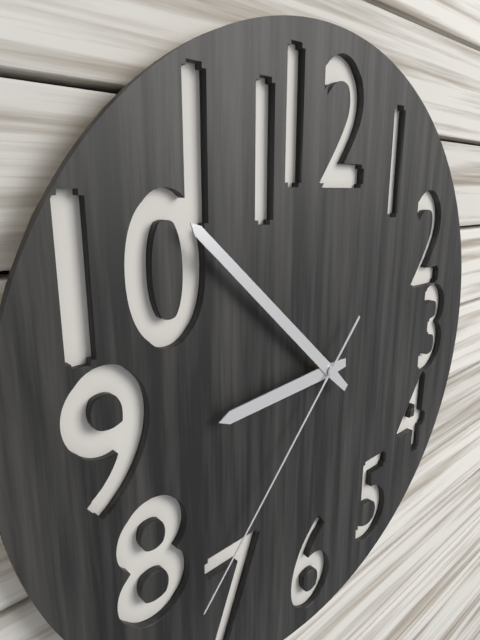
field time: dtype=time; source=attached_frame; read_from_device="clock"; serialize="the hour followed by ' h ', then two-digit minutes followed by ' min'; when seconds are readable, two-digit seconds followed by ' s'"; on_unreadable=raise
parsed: 8 h 52 min 37 s
